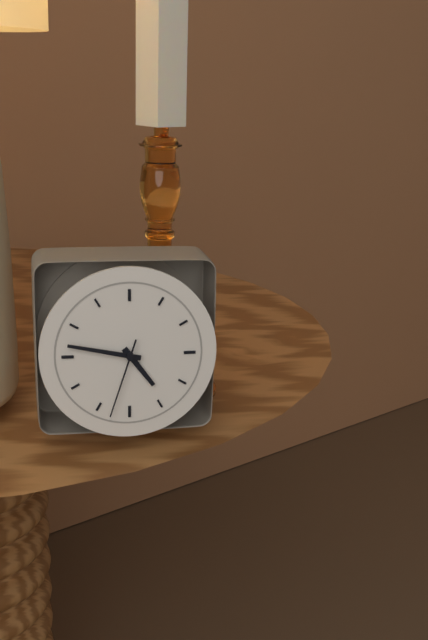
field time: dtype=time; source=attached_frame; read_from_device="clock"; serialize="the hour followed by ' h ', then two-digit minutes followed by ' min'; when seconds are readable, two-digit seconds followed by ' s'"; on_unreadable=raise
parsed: 4 h 47 min 33 s
